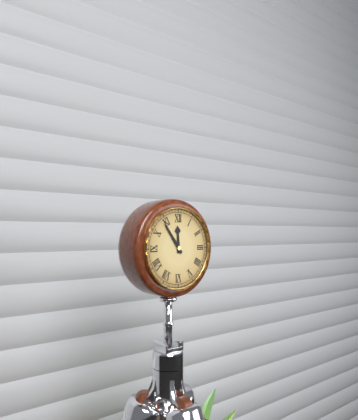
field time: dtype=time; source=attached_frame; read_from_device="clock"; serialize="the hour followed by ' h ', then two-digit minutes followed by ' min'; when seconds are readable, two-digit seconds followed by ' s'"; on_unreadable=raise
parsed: 11 h 54 min
